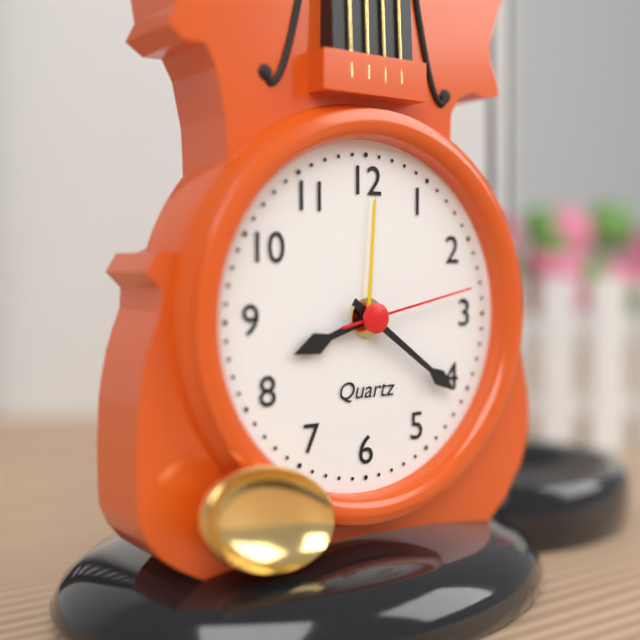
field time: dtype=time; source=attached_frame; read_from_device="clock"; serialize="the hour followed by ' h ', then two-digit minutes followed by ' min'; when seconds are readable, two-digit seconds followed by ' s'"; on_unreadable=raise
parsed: 8 h 21 min 13 s
